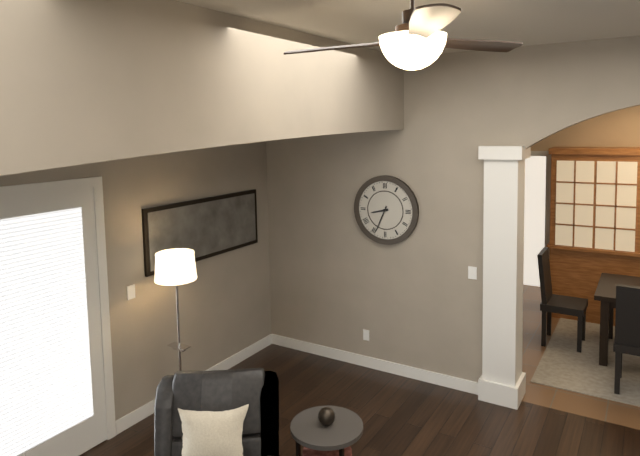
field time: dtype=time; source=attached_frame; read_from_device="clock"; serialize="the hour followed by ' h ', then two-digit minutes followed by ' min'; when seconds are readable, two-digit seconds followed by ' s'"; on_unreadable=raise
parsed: 8 h 34 min
